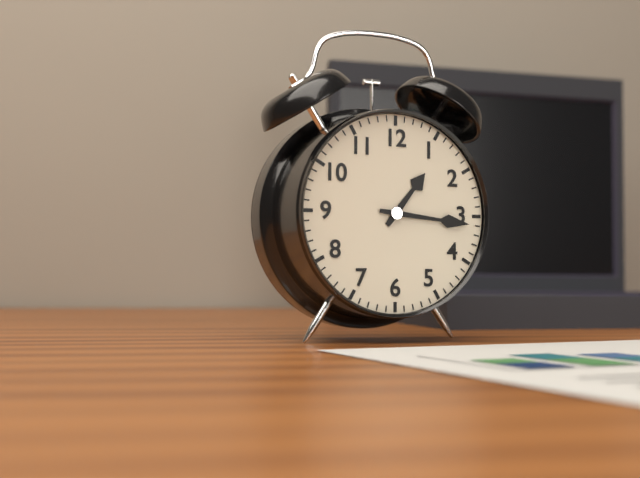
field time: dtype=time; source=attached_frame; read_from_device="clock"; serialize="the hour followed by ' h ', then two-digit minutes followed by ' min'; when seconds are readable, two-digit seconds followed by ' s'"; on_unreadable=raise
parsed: 1 h 16 min
